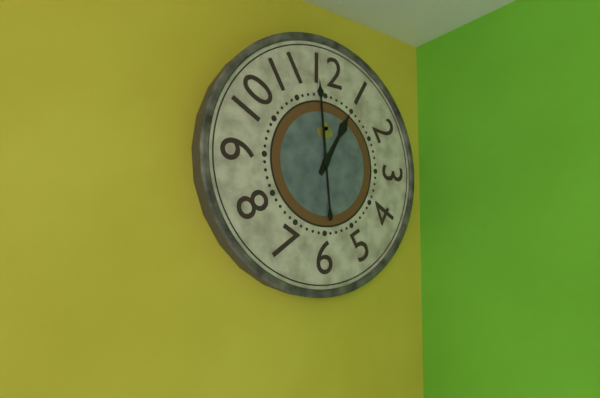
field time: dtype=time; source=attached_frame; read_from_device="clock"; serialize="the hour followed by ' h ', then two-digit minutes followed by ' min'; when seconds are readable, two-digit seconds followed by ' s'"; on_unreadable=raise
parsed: 12 h 59 min
